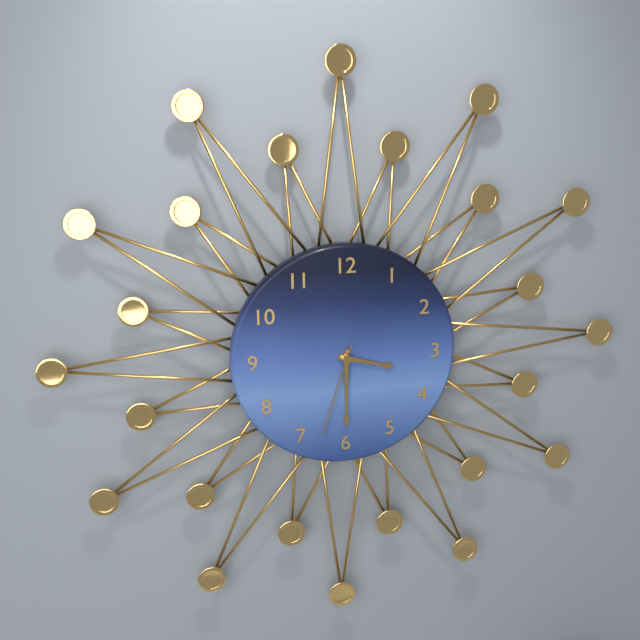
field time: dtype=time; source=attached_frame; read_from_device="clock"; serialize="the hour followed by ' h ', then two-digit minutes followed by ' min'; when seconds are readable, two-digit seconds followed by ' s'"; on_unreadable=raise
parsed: 3 h 30 min 33 s
